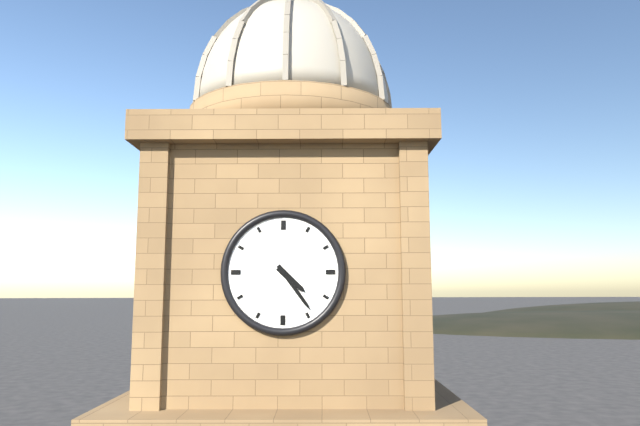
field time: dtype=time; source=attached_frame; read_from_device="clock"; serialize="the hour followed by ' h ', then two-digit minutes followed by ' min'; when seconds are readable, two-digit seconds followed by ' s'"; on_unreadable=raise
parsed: 4 h 24 min
